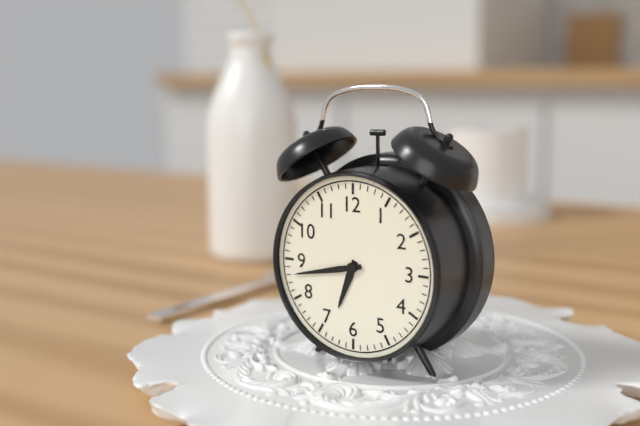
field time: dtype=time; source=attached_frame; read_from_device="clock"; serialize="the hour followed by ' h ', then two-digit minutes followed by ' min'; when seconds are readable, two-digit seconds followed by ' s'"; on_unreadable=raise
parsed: 6 h 43 min
